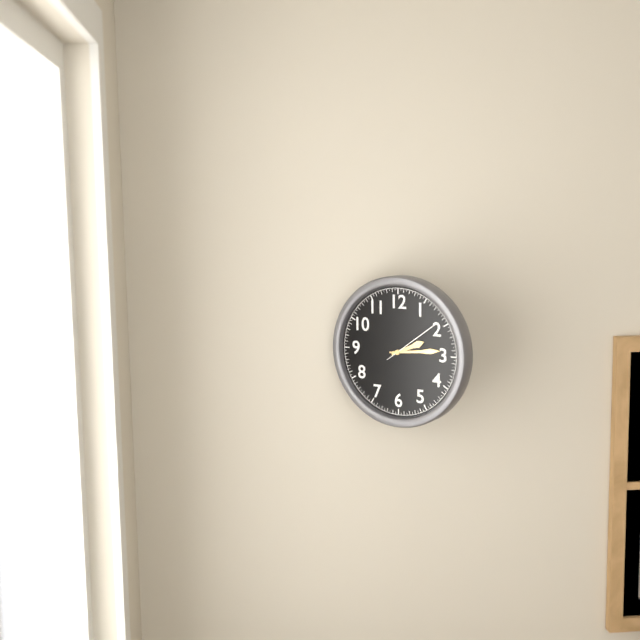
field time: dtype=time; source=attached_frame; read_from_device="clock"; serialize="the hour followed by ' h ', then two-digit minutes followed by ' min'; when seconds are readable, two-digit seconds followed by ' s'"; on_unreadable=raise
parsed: 2 h 14 min 09 s
